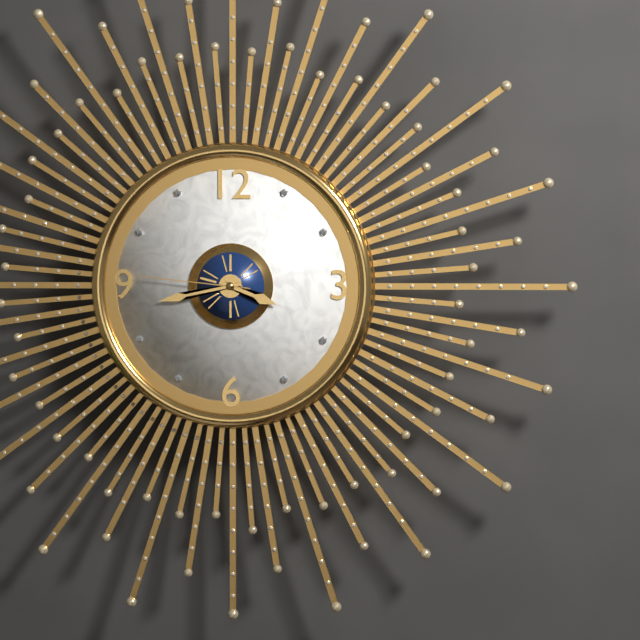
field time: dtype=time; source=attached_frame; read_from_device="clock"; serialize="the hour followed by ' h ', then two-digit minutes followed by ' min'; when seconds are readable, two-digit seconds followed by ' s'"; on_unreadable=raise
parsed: 3 h 43 min 46 s
